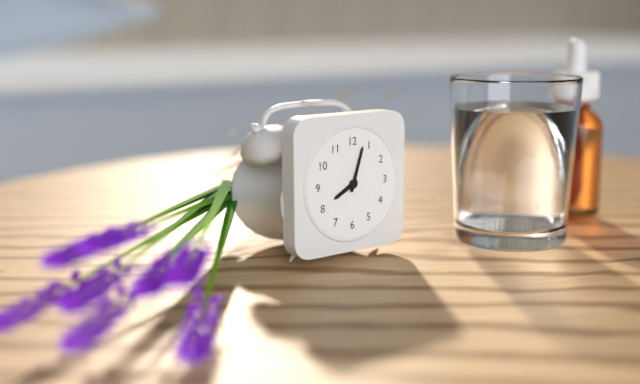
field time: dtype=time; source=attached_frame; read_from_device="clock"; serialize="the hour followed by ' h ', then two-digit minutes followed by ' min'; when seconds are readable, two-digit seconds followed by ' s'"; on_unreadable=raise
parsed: 8 h 03 min
